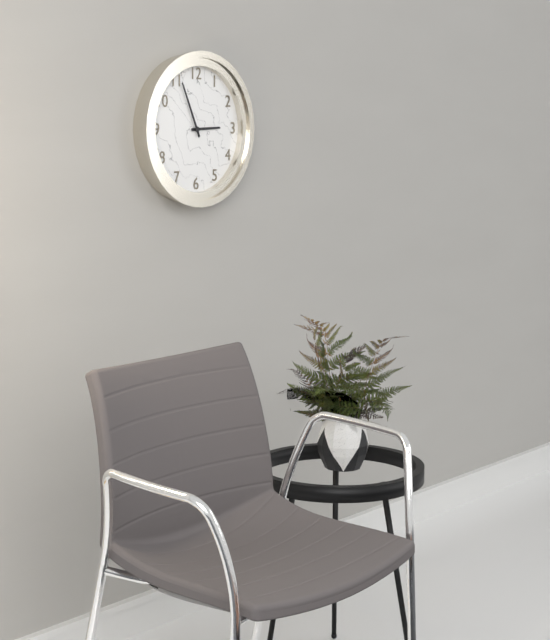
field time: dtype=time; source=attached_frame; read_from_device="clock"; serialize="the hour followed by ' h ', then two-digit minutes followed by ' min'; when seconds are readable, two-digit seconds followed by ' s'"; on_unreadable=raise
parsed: 2 h 56 min
